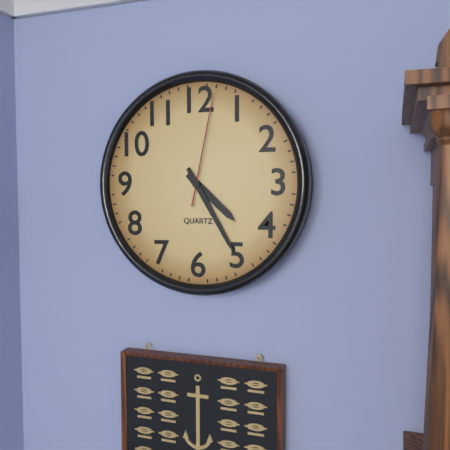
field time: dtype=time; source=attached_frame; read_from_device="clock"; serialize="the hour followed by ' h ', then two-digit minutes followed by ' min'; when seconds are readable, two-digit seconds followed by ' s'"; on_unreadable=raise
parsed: 4 h 25 min 02 s
